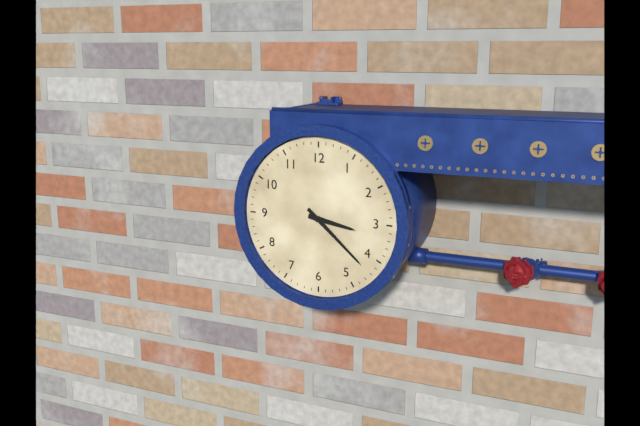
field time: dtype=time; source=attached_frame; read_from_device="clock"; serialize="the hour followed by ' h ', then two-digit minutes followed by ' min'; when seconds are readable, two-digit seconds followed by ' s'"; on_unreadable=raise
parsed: 3 h 22 min
